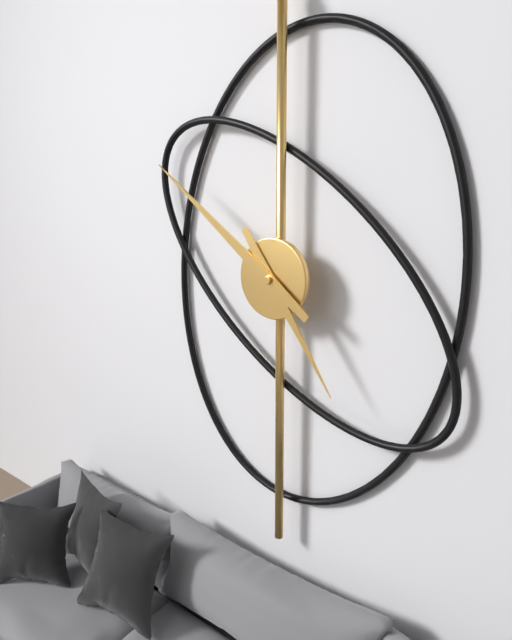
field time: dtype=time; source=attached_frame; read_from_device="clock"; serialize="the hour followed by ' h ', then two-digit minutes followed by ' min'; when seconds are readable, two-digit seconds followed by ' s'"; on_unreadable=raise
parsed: 4 h 51 min
